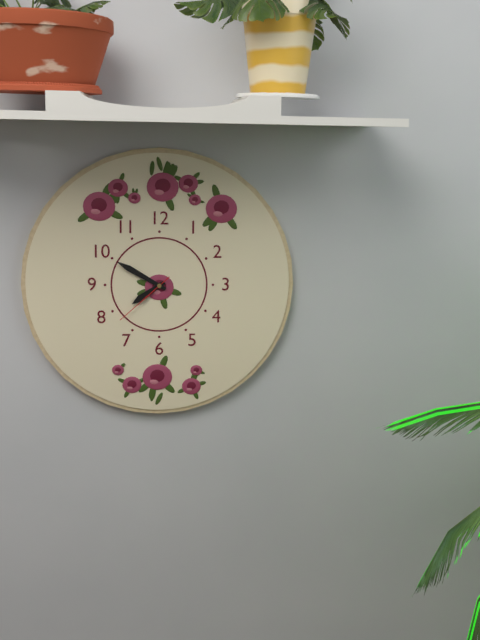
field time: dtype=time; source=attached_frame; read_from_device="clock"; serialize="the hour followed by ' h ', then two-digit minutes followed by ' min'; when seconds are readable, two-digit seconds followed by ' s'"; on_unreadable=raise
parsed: 7 h 50 min 38 s
